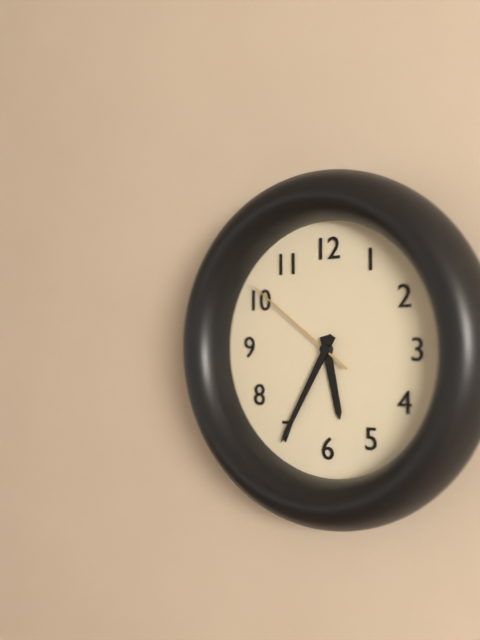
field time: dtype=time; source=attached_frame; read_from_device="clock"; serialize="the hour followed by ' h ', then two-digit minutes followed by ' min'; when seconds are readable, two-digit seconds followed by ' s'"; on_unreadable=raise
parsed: 5 h 35 min 51 s
